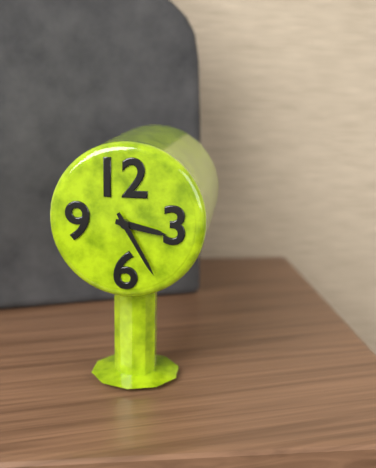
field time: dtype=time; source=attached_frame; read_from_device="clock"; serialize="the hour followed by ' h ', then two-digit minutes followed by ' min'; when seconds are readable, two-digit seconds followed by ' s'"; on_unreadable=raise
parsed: 3 h 25 min
